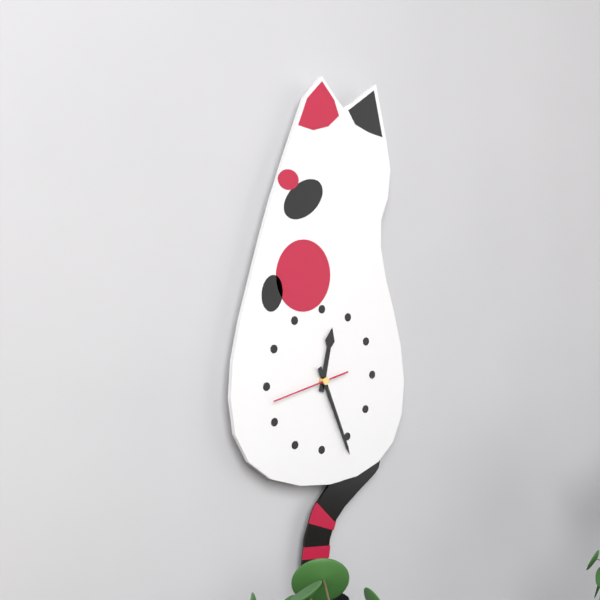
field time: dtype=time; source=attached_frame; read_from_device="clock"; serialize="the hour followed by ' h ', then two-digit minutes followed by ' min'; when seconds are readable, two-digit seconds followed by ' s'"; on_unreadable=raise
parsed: 12 h 26 min 43 s
